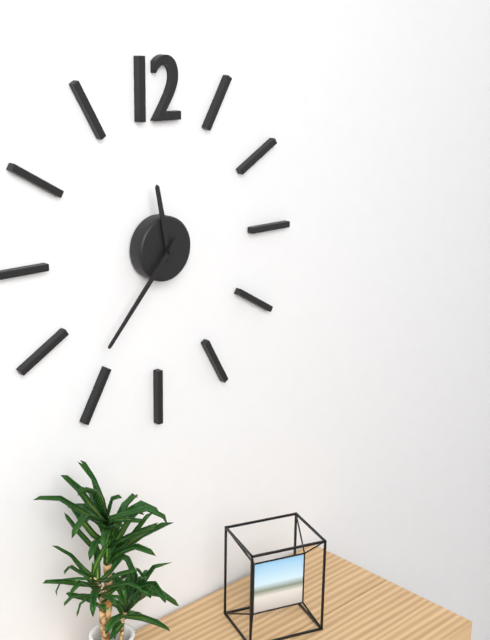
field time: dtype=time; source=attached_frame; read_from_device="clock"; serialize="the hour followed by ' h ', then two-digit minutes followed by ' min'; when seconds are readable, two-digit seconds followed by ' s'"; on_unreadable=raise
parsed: 11 h 37 min
